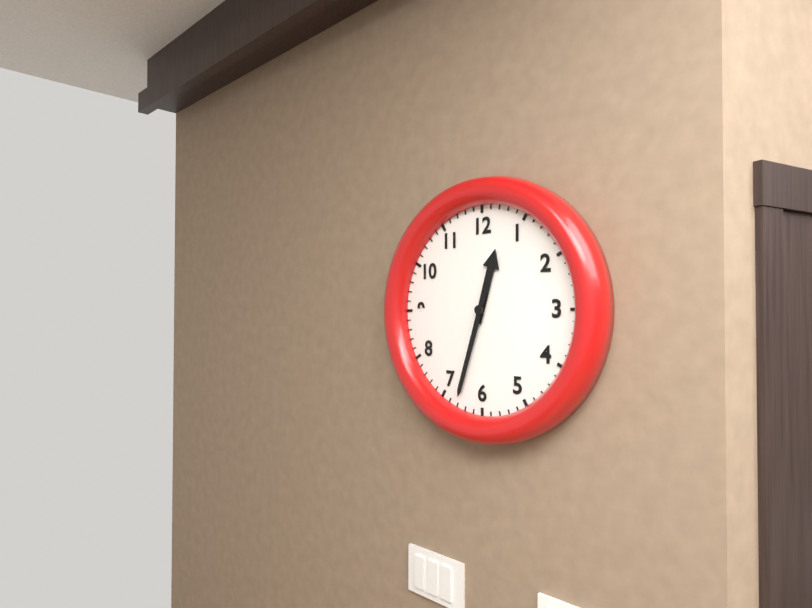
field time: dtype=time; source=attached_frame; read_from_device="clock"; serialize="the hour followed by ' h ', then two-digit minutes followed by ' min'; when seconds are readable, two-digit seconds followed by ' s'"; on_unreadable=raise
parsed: 12 h 33 min
